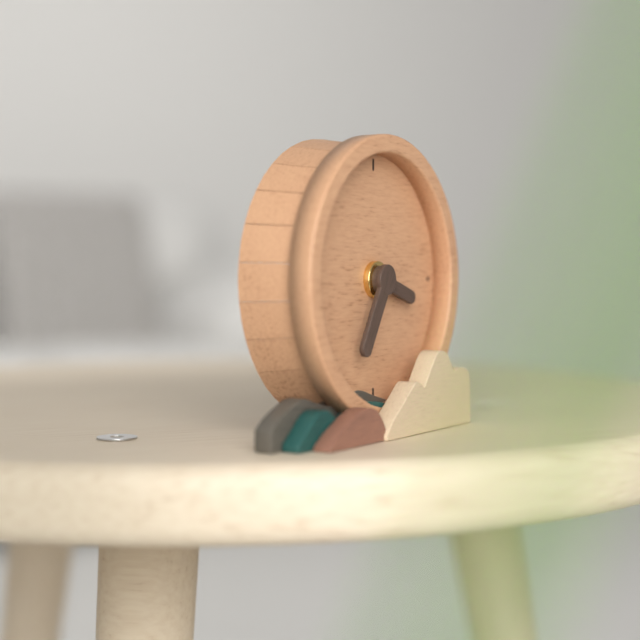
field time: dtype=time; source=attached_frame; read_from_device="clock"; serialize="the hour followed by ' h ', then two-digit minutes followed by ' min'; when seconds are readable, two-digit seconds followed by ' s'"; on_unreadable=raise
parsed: 3 h 35 min
